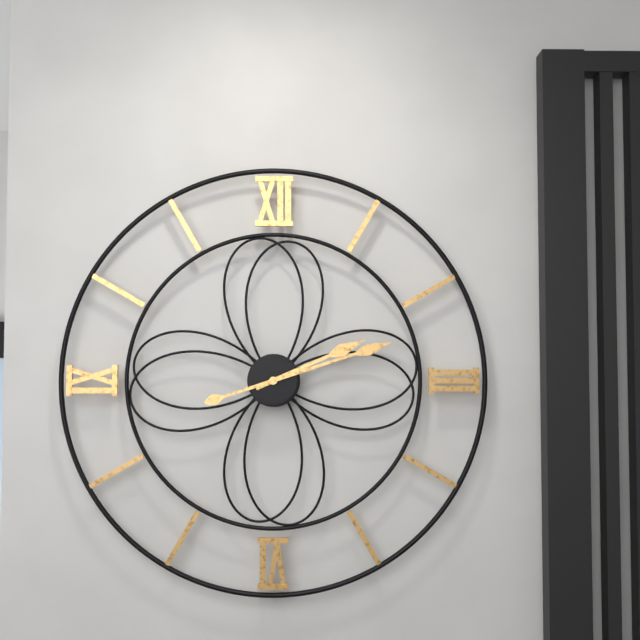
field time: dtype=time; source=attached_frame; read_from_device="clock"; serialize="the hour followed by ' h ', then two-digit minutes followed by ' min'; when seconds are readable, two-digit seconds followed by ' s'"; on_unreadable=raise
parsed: 2 h 12 min
